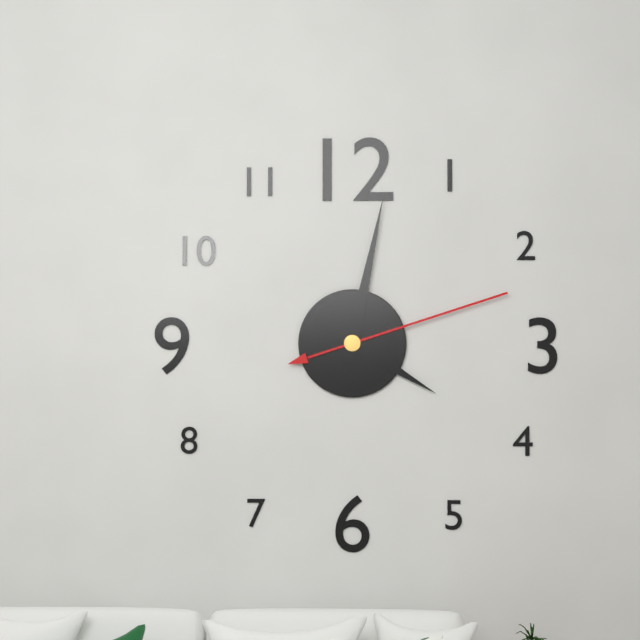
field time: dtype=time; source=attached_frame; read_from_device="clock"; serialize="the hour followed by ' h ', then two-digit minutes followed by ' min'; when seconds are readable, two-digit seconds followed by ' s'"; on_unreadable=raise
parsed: 4 h 02 min 12 s
